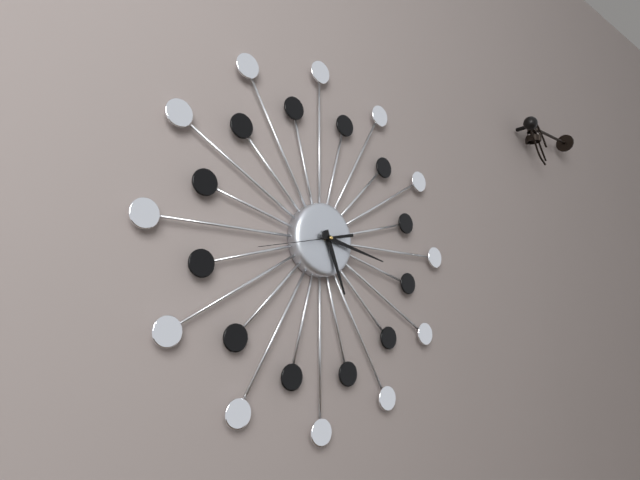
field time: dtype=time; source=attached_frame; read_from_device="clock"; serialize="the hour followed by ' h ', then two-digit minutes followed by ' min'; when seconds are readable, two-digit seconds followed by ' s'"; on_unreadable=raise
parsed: 5 h 17 min 43 s
